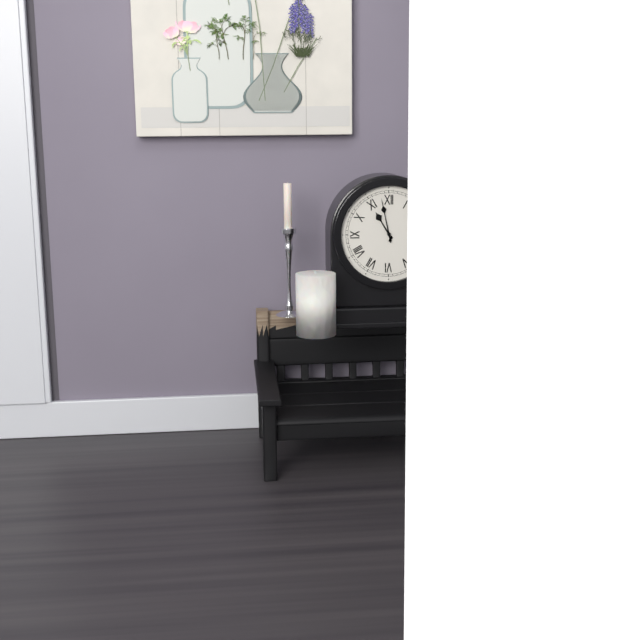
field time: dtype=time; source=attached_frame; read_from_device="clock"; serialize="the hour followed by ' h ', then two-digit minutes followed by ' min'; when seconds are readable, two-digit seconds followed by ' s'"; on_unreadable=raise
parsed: 10 h 58 min
